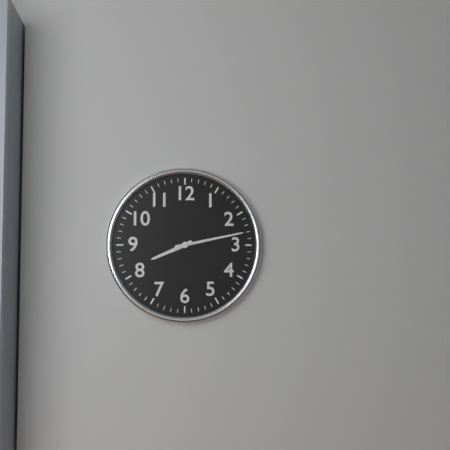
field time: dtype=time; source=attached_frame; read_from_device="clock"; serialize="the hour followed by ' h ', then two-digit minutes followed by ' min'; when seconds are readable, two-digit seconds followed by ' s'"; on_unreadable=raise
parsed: 8 h 13 min
